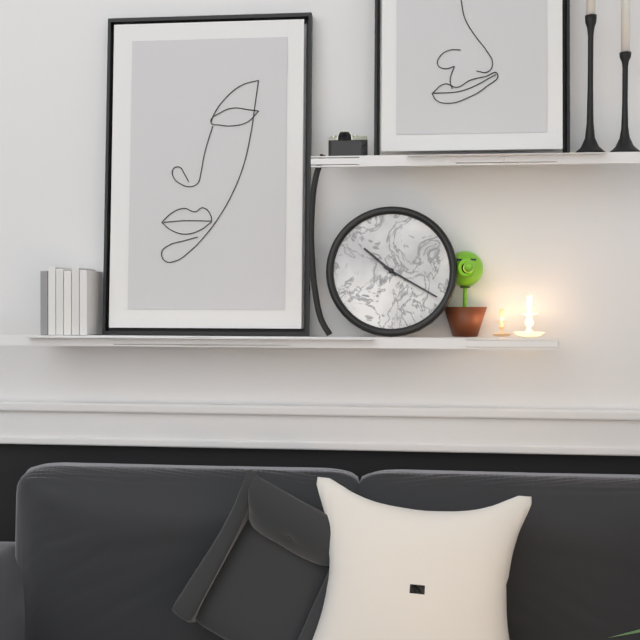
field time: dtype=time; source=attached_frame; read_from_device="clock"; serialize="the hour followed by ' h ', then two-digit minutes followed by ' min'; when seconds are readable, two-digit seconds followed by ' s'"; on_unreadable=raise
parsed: 10 h 20 min
